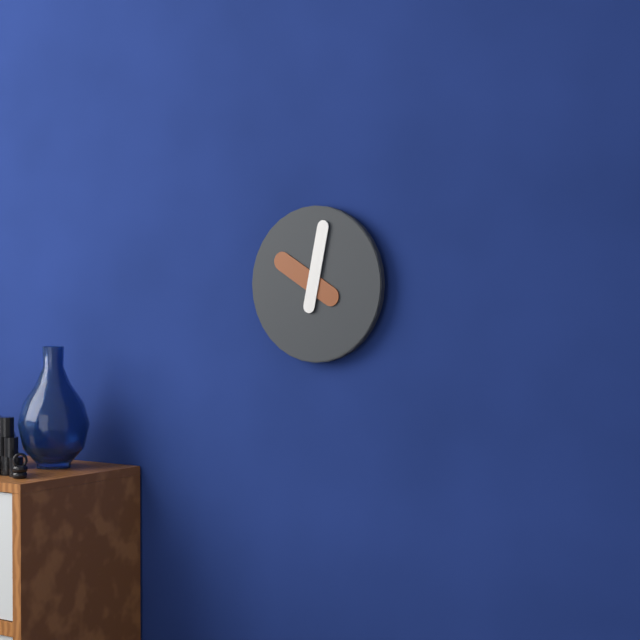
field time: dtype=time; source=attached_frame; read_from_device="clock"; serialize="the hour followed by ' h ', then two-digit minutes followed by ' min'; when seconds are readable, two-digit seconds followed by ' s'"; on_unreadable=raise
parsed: 10 h 02 min
